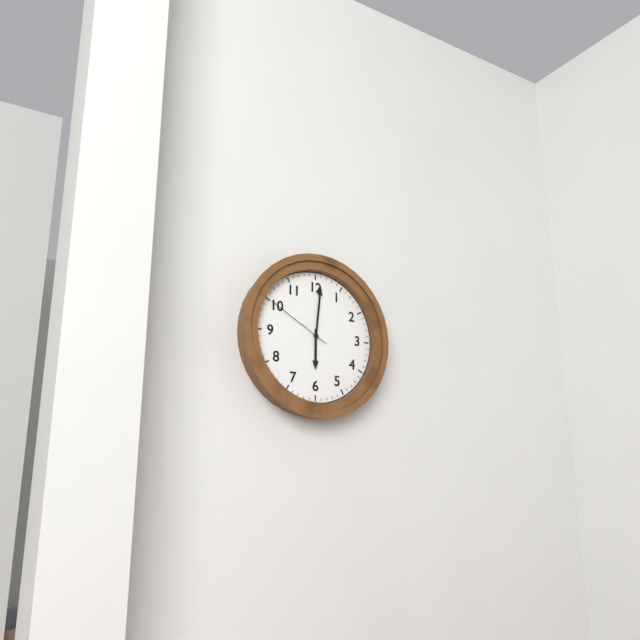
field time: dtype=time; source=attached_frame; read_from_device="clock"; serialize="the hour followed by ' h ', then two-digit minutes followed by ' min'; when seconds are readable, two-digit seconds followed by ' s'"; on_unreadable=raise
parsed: 6 h 01 min 50 s
